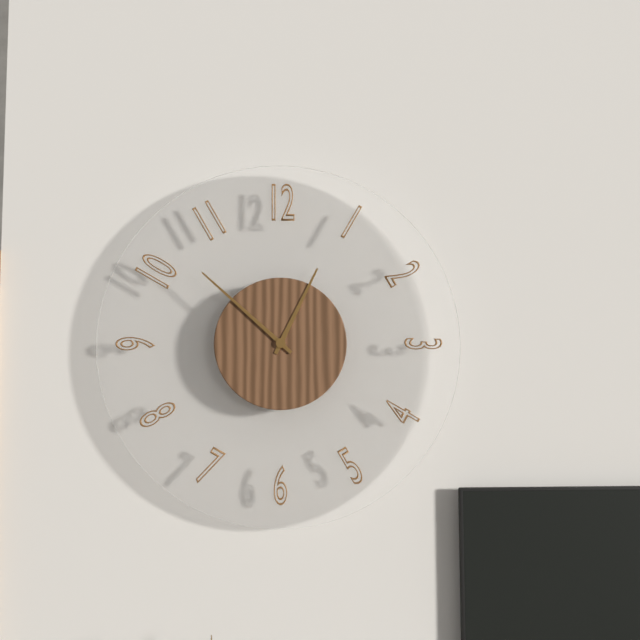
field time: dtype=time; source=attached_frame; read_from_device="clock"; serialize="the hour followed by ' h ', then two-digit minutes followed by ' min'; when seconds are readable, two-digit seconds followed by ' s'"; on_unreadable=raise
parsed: 12 h 52 min
